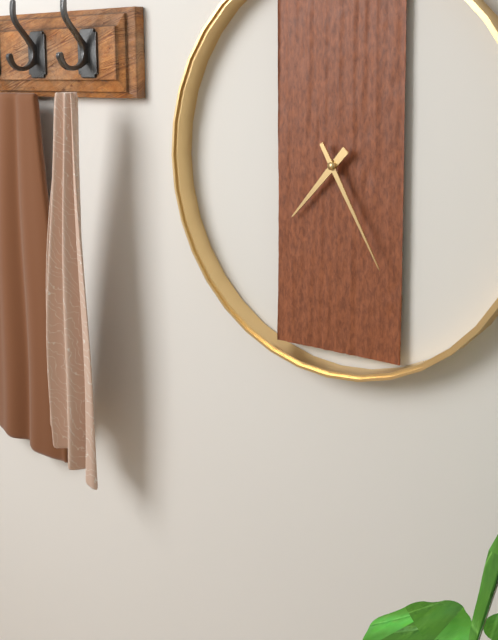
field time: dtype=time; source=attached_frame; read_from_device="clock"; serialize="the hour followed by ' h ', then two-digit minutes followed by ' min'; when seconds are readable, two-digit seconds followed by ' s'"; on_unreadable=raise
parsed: 7 h 25 min
